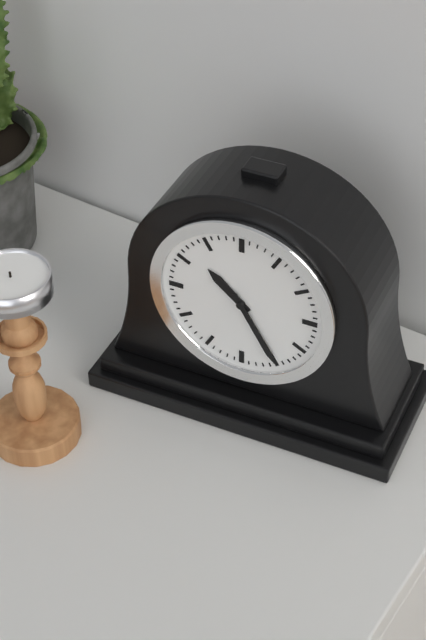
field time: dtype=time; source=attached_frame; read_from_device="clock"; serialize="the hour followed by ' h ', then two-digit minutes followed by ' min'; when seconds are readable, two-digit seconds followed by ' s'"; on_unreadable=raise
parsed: 10 h 25 min
